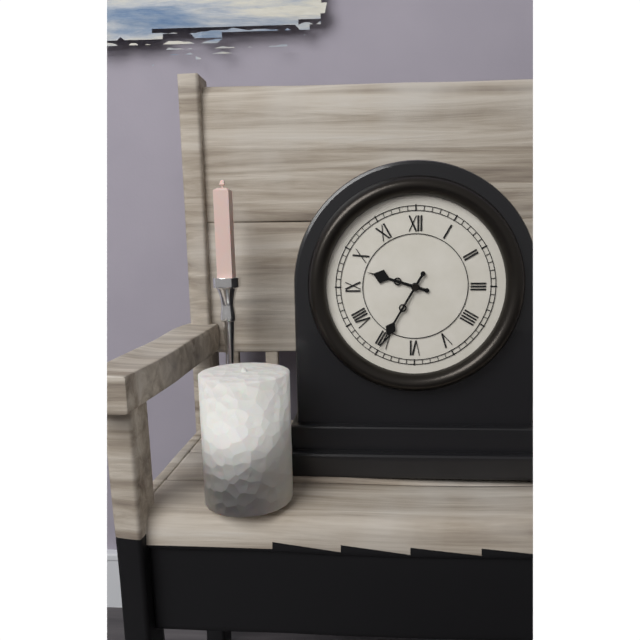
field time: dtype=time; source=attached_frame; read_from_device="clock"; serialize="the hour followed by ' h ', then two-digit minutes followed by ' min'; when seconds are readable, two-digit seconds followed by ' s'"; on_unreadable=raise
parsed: 9 h 35 min
